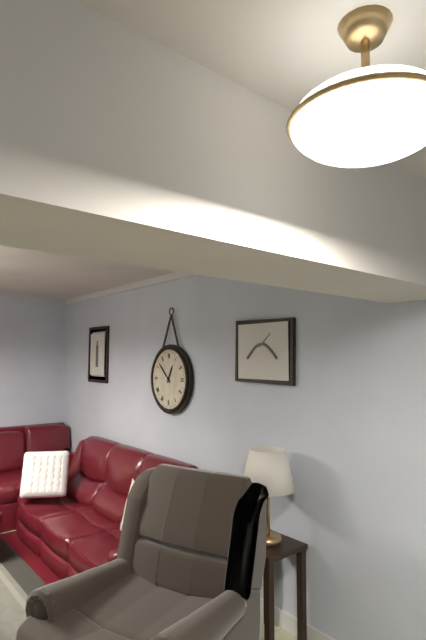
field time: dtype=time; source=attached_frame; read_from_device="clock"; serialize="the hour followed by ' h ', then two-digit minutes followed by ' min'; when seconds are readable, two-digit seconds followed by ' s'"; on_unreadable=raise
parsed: 12 h 52 min
